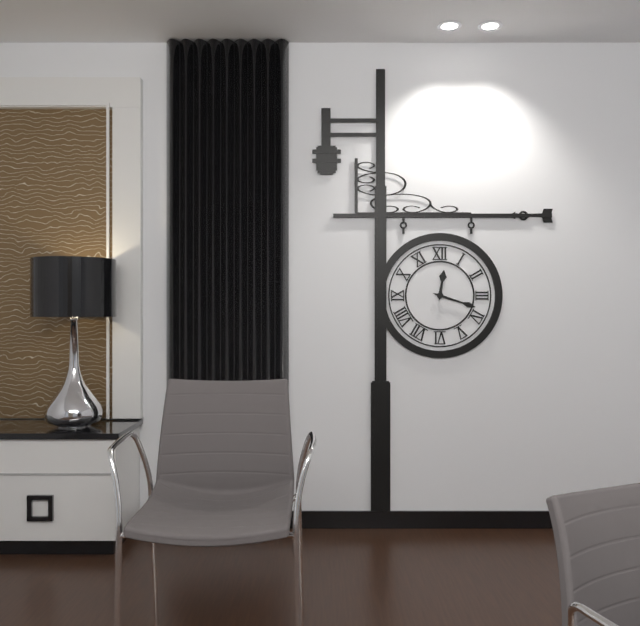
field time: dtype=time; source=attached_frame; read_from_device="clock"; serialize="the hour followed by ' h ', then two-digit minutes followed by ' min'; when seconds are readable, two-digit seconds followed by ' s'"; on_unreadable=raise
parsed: 12 h 18 min
